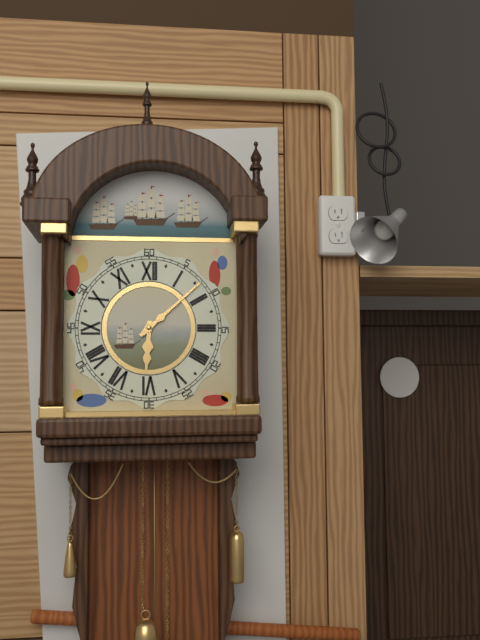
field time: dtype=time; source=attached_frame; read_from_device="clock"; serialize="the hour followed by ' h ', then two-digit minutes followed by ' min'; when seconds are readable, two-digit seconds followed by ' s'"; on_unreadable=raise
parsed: 6 h 08 min
